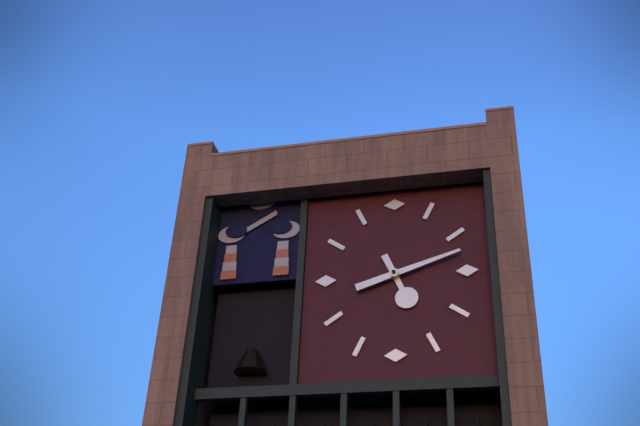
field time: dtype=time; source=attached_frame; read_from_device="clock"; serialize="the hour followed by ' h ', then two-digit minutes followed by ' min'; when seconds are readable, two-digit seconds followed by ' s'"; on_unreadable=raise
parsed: 5 h 12 min
